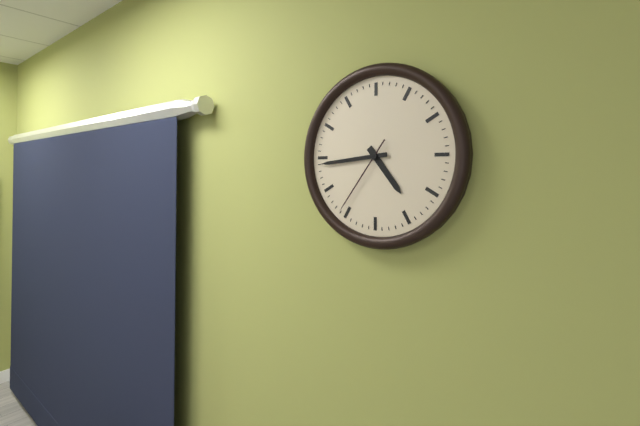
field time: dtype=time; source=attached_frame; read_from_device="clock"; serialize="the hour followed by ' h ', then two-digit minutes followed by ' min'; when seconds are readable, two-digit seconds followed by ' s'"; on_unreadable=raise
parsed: 4 h 44 min 36 s
